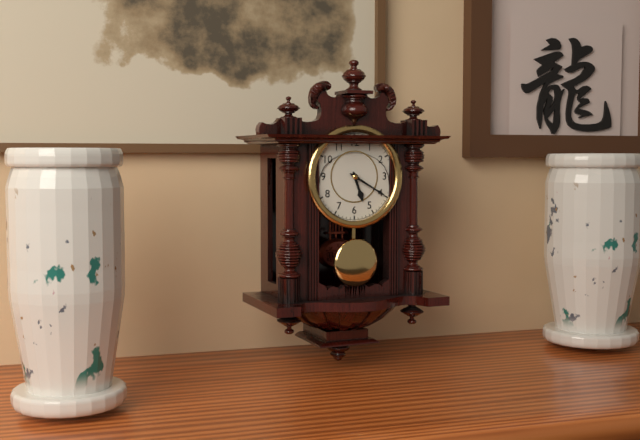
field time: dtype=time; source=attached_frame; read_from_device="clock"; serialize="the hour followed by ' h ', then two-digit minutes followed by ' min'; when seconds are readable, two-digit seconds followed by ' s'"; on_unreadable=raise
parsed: 5 h 20 min
